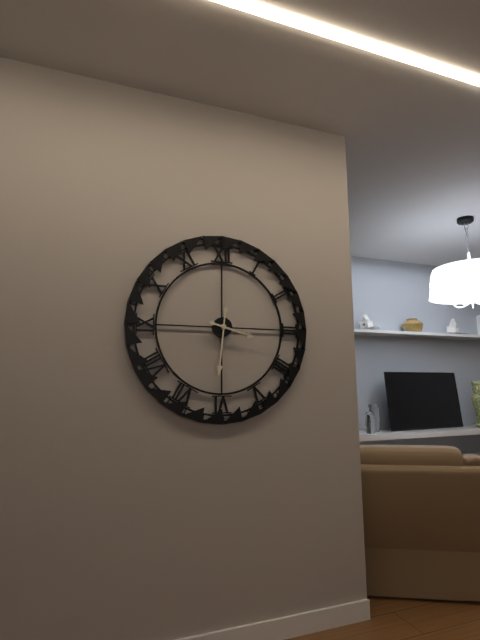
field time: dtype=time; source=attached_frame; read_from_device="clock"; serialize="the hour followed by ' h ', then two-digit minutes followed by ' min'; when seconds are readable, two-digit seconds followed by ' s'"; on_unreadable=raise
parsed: 3 h 31 min
